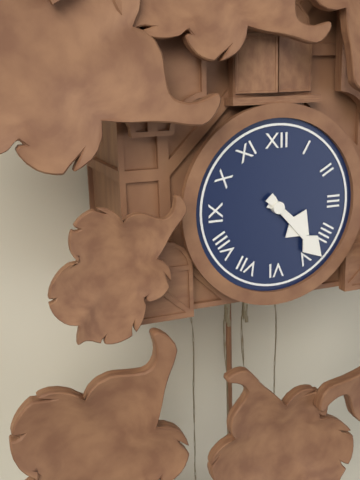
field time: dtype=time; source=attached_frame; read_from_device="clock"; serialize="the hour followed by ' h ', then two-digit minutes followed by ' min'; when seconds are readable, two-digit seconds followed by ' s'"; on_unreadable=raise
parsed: 4 h 23 min
